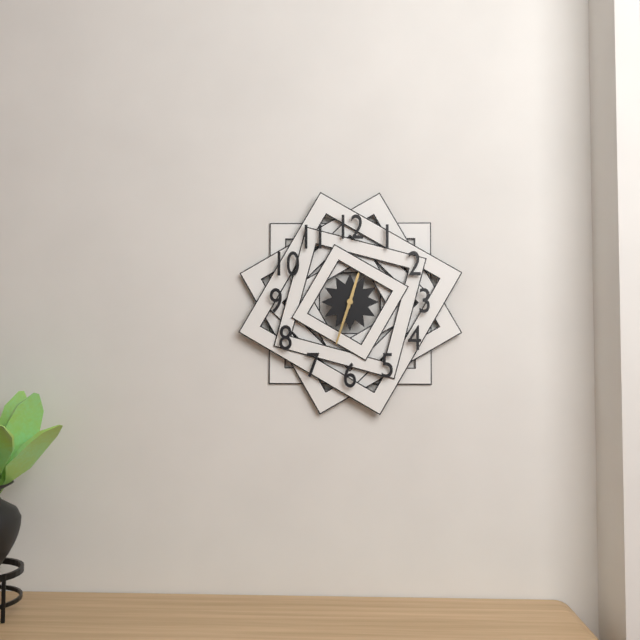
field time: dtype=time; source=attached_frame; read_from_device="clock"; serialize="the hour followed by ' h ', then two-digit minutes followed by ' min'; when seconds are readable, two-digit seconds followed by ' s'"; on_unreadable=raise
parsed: 12 h 33 min
